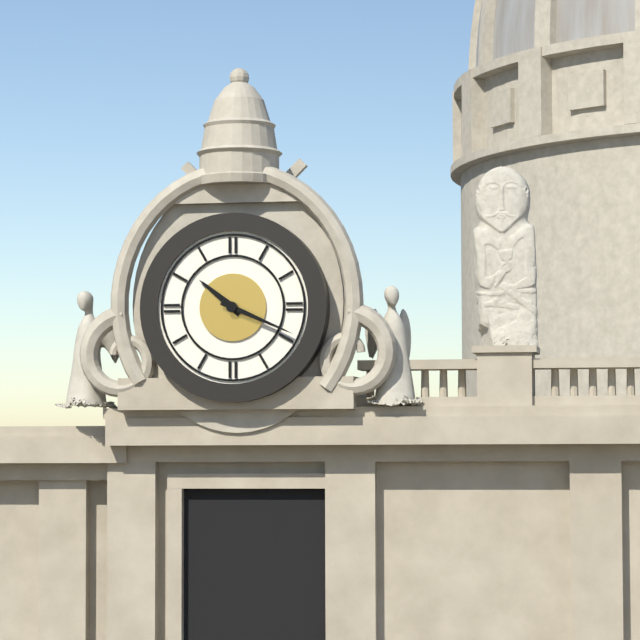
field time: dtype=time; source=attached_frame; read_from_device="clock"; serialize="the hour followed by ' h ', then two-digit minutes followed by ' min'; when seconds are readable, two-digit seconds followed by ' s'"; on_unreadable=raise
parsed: 10 h 19 min
